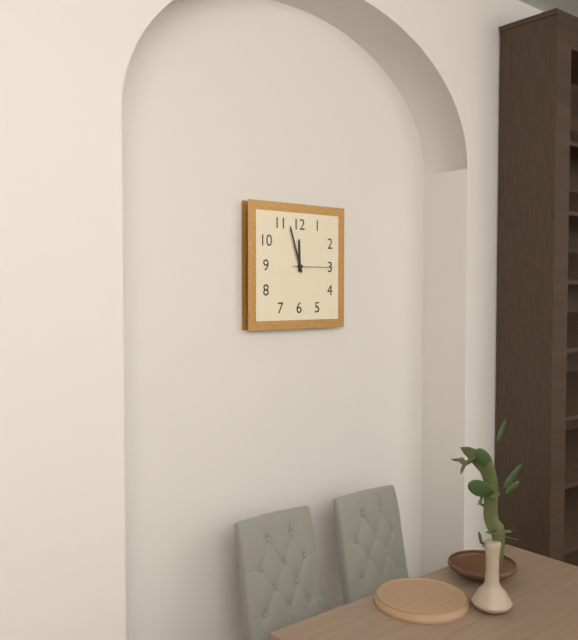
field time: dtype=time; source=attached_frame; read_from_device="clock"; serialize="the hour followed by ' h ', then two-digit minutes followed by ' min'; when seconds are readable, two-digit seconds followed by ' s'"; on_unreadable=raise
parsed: 11 h 57 min
